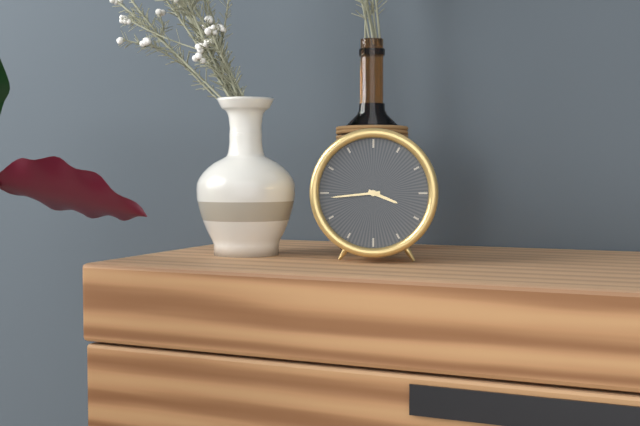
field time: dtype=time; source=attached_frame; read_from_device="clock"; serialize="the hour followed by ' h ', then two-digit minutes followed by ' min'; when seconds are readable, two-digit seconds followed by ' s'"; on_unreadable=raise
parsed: 3 h 44 min
